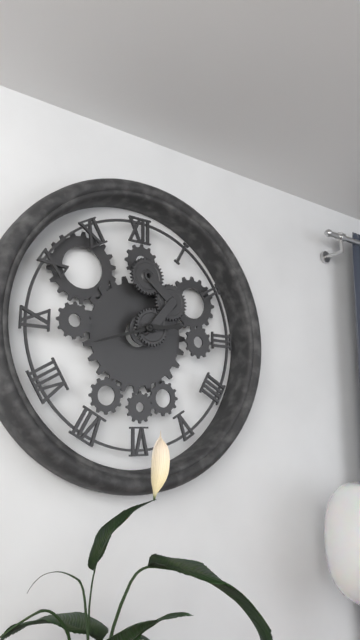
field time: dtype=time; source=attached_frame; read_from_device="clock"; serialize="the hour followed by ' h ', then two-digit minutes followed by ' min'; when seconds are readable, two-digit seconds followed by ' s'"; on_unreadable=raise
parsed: 2 h 42 min
